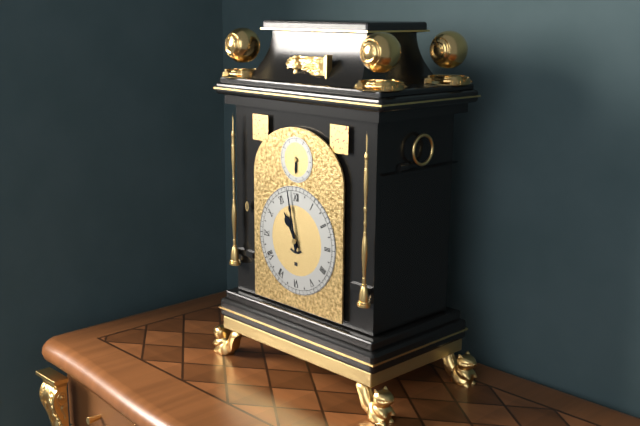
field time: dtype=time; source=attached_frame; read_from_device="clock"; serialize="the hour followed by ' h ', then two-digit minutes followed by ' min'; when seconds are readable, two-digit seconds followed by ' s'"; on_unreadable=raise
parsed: 10 h 58 min
